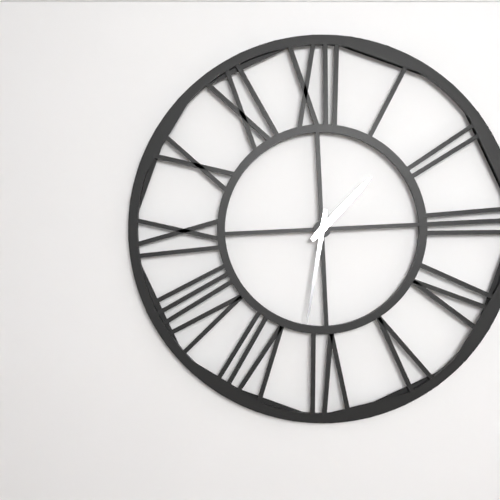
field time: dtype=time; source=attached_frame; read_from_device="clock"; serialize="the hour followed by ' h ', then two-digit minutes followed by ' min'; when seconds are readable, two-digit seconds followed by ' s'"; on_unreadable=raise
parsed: 1 h 32 min
